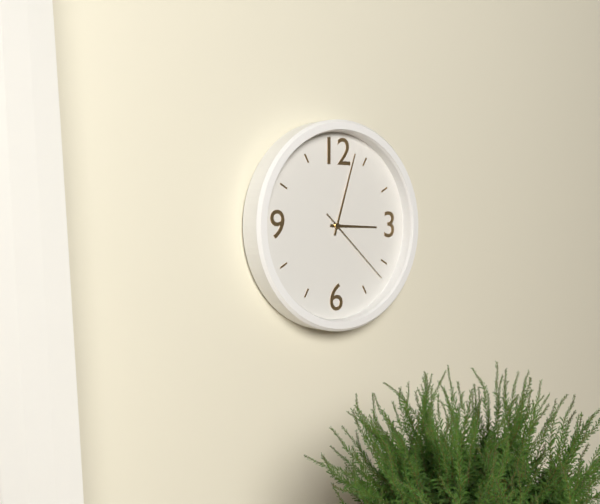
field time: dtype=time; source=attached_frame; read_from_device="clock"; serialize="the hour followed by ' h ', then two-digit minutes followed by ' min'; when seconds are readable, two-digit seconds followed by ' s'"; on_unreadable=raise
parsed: 3 h 03 min 22 s
